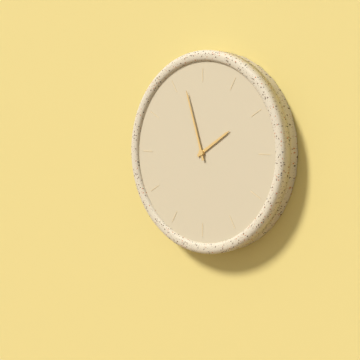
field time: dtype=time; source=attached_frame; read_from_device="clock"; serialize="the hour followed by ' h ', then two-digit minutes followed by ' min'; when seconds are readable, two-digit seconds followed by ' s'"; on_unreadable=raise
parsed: 1 h 57 min
